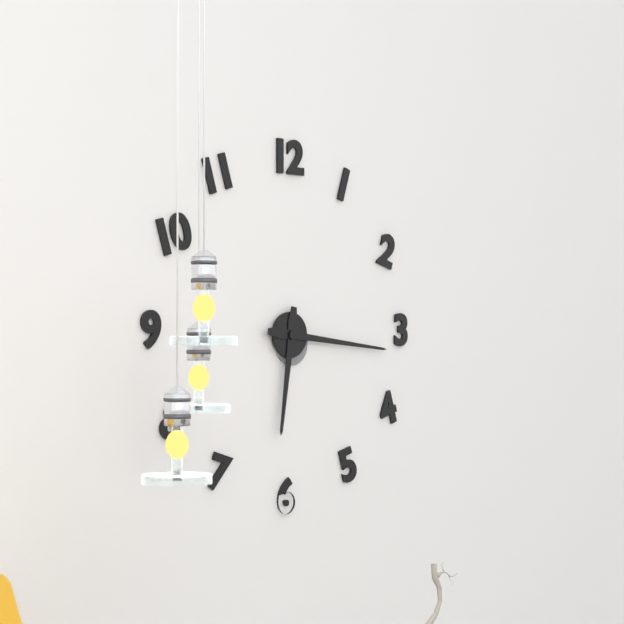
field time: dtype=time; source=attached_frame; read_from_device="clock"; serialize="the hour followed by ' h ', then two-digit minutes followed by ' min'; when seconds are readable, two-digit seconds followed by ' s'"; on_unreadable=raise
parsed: 6 h 16 min
